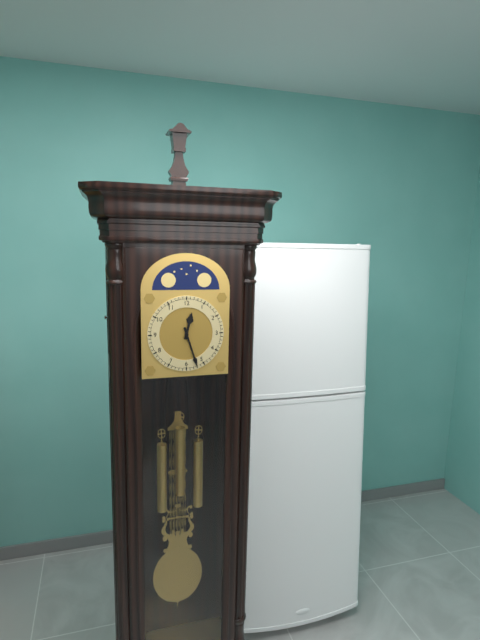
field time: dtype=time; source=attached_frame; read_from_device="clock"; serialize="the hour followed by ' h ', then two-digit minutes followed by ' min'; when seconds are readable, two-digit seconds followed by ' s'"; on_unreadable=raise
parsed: 12 h 27 min
